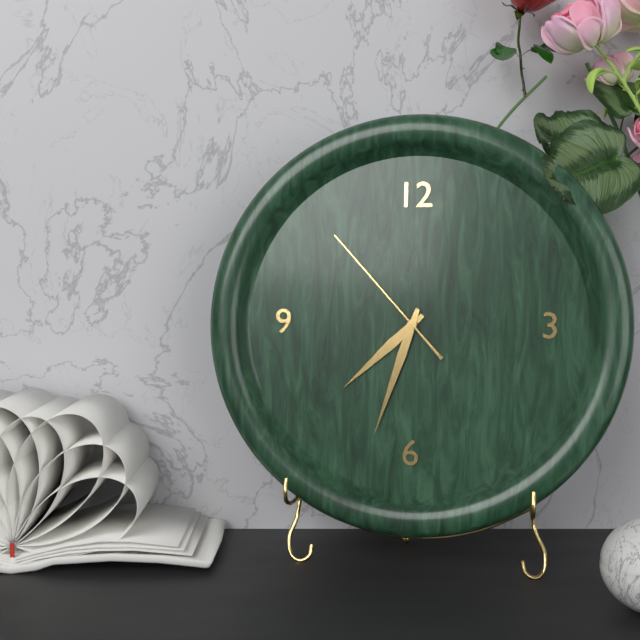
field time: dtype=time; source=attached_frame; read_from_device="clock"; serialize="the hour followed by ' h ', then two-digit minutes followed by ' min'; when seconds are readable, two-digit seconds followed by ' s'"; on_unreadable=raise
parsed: 7 h 33 min 53 s
